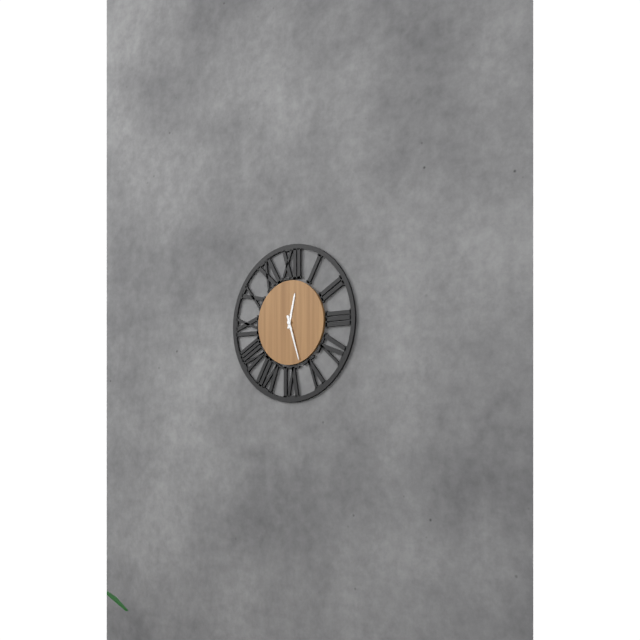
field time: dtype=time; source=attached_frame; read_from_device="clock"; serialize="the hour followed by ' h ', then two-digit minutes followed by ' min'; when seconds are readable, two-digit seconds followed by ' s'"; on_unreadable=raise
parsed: 12 h 27 min
